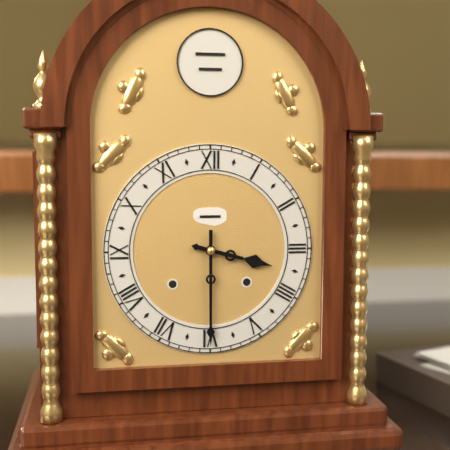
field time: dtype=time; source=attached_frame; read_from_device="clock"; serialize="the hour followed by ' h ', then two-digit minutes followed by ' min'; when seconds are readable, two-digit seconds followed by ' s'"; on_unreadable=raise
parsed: 3 h 30 min
